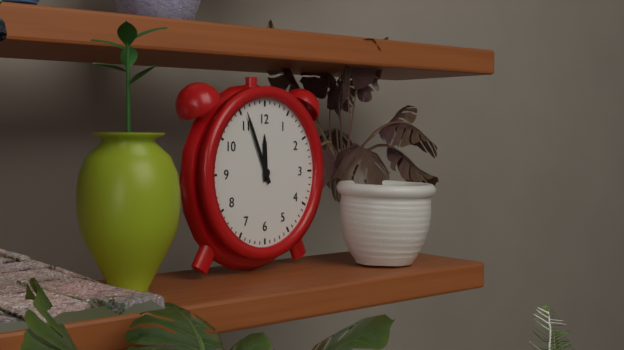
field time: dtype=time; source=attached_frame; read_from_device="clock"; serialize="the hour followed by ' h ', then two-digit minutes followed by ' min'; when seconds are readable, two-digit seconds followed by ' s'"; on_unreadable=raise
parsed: 11 h 56 min
